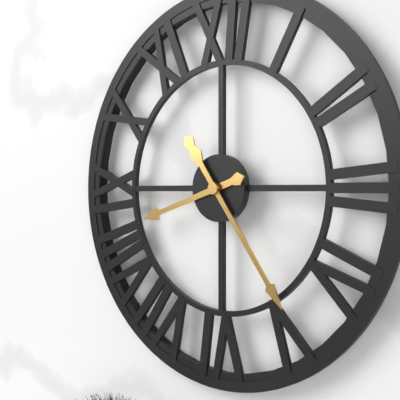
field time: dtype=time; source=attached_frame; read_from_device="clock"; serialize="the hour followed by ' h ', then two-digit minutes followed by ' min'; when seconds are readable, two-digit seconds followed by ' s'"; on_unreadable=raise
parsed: 8 h 24 min
